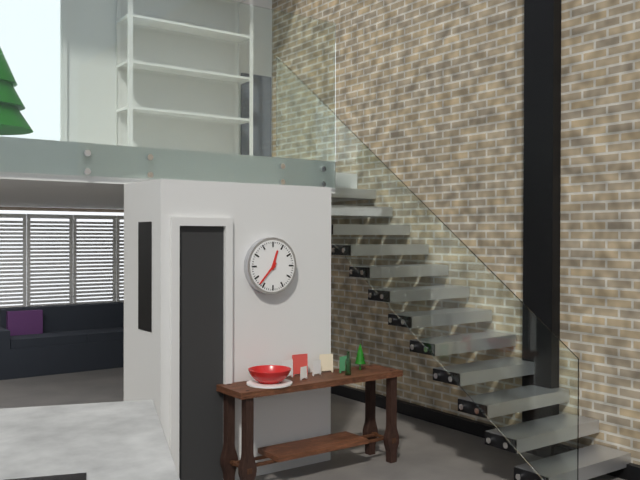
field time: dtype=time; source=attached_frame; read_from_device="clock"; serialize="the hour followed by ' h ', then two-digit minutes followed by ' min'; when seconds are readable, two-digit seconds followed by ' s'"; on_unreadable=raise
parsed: 12 h 37 min
